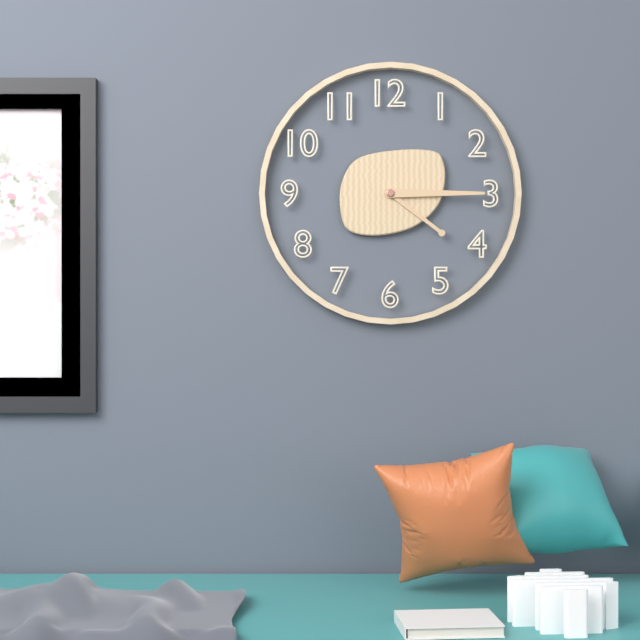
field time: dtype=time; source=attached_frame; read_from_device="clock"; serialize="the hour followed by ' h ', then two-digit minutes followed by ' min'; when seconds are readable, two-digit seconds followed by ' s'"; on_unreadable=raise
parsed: 4 h 15 min
